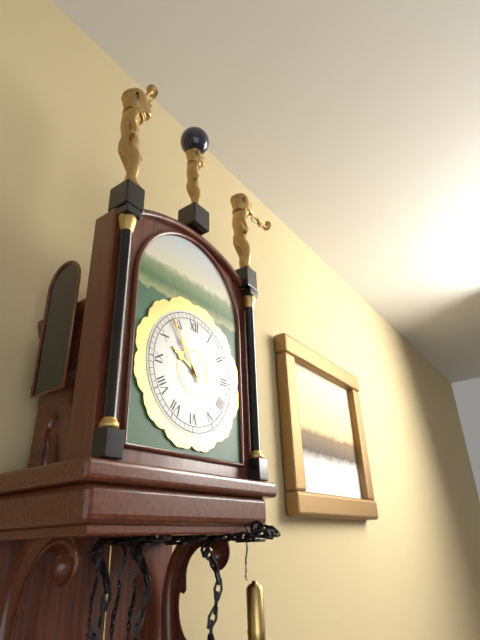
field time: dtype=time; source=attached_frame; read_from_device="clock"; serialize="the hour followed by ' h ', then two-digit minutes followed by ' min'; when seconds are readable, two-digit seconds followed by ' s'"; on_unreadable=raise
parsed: 9 h 54 min
